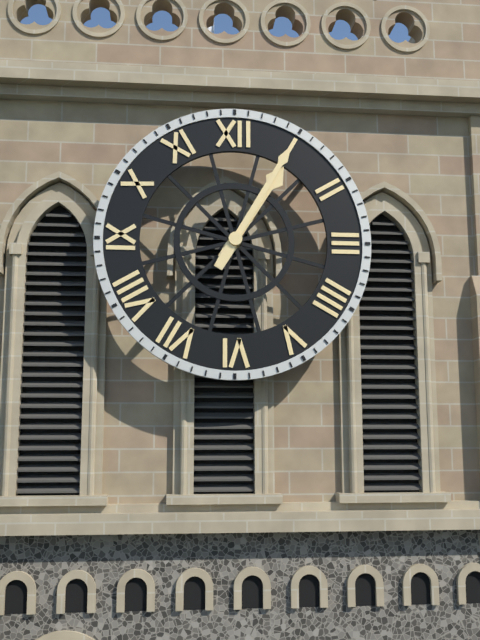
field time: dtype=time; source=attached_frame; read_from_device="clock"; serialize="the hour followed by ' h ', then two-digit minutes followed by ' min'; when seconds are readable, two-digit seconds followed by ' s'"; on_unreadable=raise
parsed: 1 h 05 min
